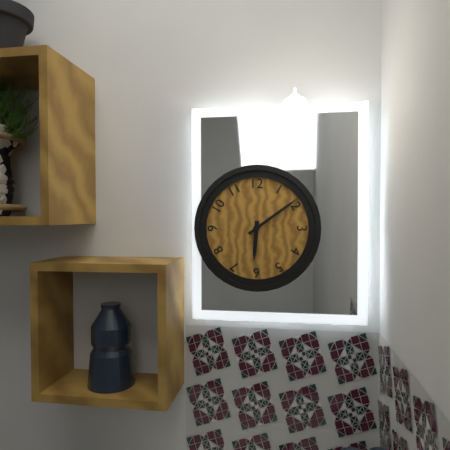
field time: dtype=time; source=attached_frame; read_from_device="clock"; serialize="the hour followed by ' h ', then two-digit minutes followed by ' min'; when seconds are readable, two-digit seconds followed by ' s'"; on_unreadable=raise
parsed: 6 h 09 min
